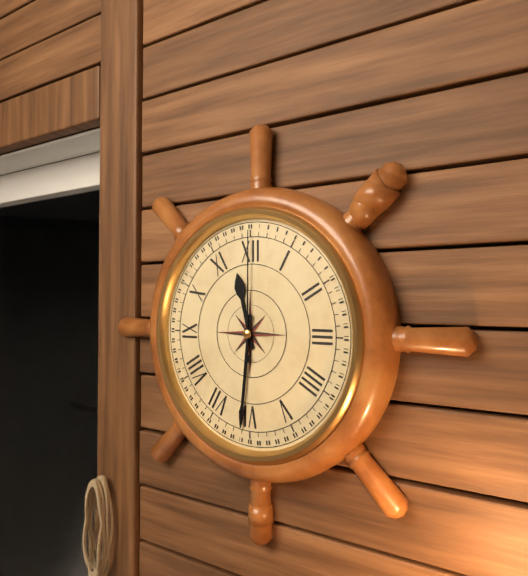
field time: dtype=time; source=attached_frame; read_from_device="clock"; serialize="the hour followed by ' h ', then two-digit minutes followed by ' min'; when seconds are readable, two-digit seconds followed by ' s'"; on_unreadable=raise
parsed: 11 h 31 min 00 s
